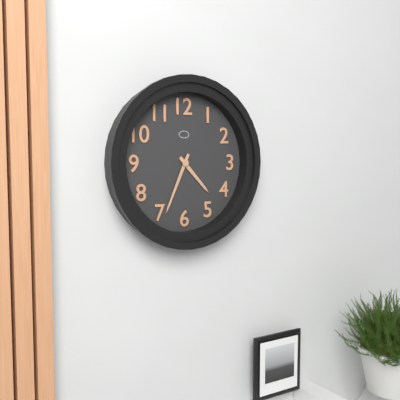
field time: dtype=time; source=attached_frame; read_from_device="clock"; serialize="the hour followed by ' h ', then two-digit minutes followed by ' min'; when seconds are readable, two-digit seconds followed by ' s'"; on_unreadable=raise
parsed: 4 h 34 min
